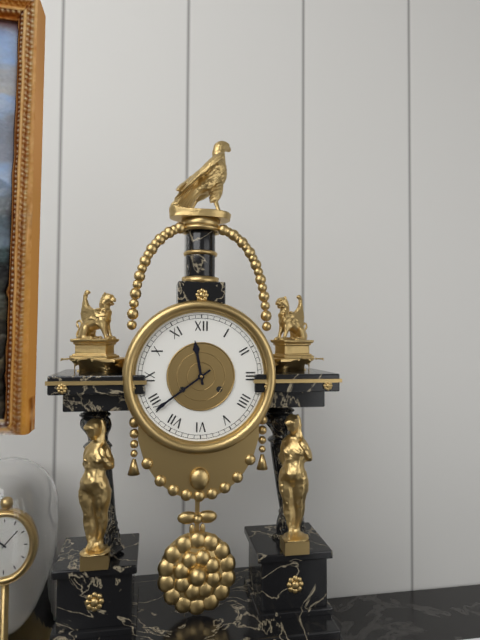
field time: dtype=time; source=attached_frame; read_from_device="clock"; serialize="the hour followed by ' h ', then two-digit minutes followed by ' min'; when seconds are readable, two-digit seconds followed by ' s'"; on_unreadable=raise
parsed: 11 h 39 min
